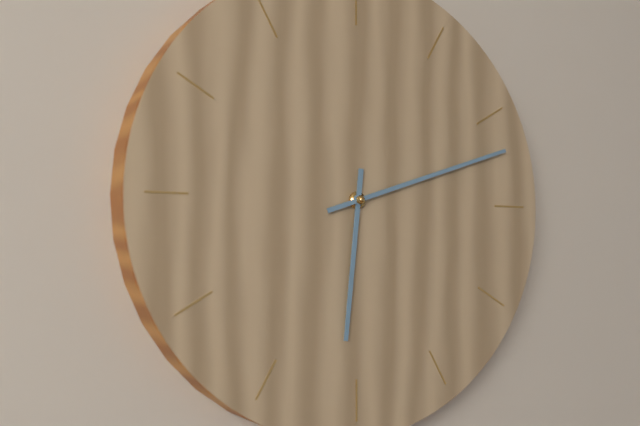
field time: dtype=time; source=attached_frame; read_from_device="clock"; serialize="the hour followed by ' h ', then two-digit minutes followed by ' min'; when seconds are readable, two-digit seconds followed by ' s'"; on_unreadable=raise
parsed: 6 h 12 min
